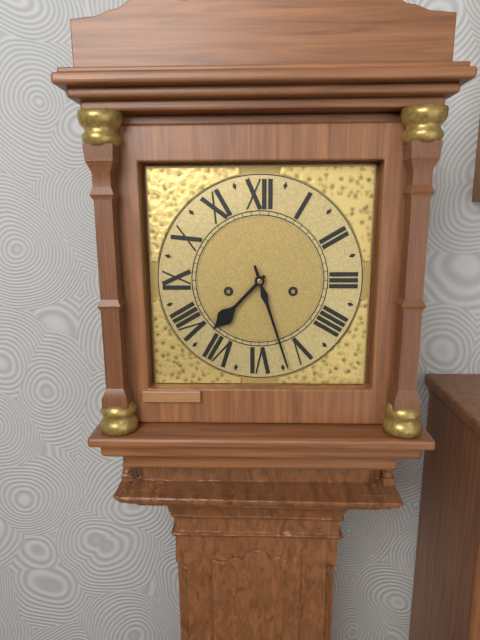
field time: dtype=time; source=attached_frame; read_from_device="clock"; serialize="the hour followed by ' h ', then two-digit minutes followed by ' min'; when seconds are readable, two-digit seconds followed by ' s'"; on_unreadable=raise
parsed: 7 h 27 min
